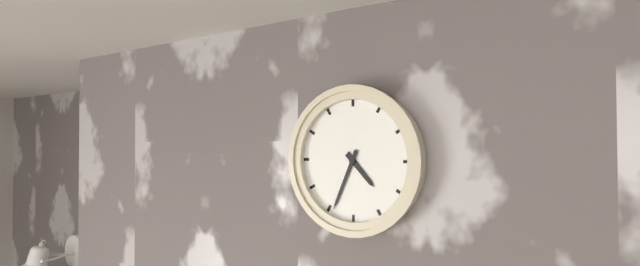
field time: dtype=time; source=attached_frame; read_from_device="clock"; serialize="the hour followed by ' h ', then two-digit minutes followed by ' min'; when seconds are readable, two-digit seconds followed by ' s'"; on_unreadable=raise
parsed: 4 h 34 min
